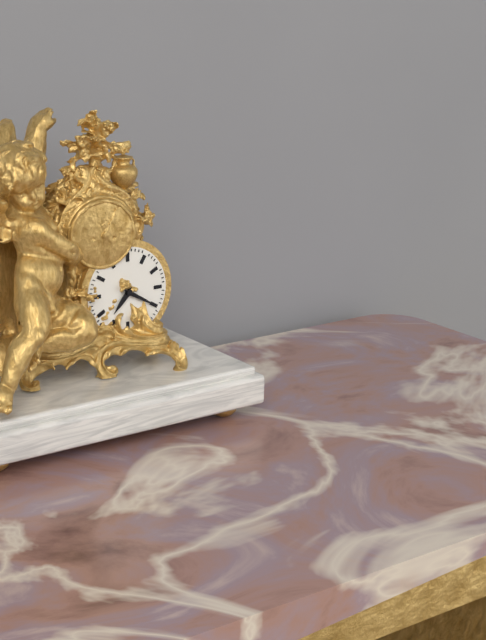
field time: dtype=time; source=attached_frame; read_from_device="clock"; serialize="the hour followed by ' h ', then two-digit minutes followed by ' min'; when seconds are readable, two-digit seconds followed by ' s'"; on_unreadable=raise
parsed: 7 h 20 min
